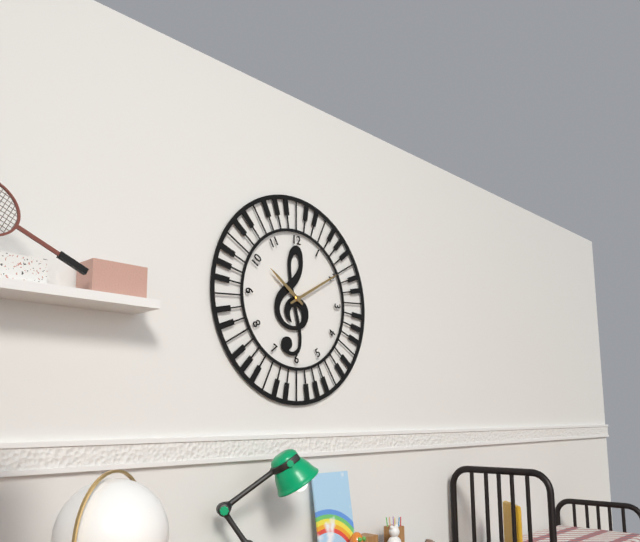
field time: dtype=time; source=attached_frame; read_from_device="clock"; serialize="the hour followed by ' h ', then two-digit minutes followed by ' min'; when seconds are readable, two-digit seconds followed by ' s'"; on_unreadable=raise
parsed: 10 h 10 min
